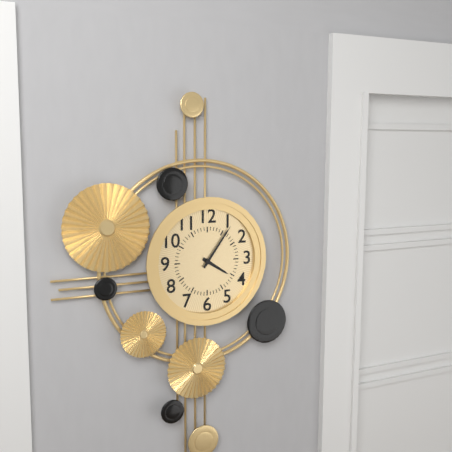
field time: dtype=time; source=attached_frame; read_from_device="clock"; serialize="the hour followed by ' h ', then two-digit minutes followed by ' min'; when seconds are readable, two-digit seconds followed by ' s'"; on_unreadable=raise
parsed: 4 h 06 min
